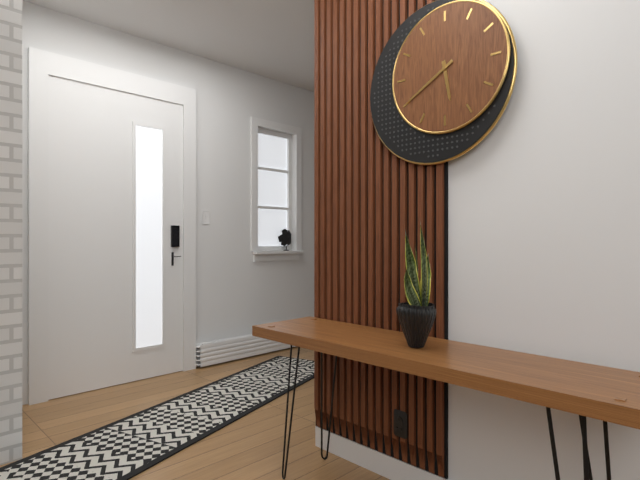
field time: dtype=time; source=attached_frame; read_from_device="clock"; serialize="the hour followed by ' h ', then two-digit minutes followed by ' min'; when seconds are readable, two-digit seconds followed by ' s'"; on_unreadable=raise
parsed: 5 h 40 min
